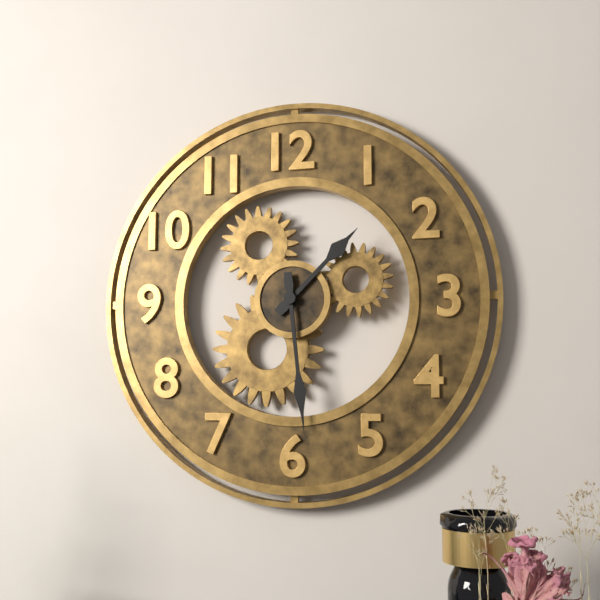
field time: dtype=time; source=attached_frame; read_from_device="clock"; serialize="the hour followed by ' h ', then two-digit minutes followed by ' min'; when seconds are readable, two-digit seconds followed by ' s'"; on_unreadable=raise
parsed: 1 h 29 min
